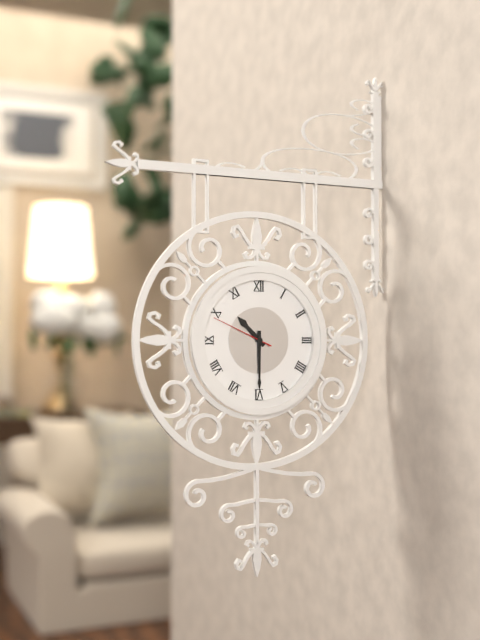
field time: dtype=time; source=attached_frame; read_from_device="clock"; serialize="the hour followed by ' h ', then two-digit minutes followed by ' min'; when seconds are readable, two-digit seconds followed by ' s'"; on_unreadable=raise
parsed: 10 h 30 min 49 s
